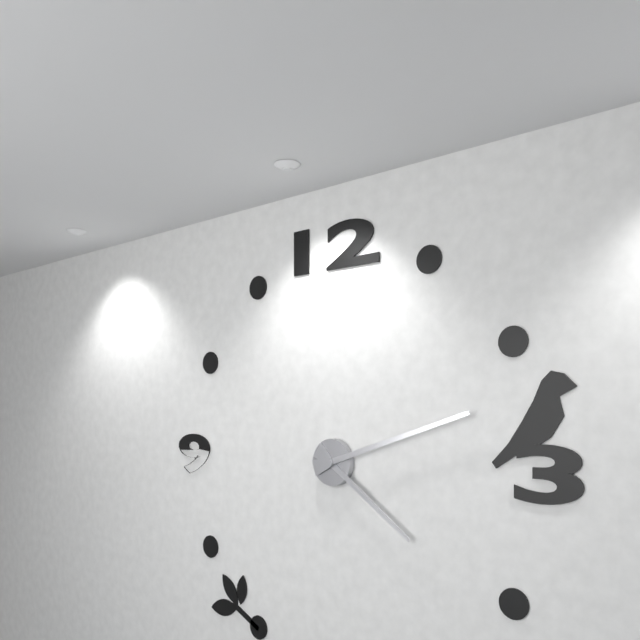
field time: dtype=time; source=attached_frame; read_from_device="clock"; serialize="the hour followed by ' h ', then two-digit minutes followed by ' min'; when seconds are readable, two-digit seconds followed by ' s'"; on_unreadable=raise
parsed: 4 h 12 min
